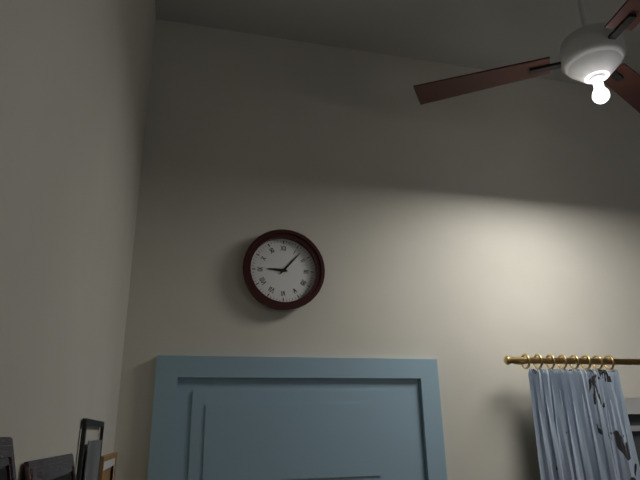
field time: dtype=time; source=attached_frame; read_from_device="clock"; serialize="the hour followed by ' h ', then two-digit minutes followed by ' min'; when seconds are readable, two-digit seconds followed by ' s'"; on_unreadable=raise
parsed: 9 h 07 min
